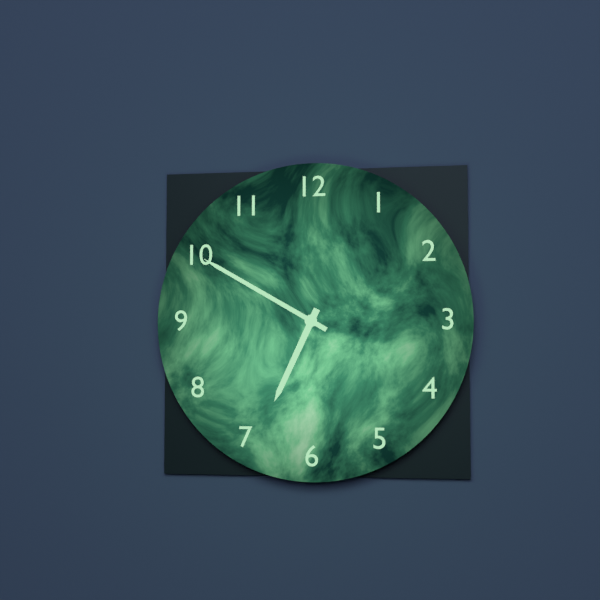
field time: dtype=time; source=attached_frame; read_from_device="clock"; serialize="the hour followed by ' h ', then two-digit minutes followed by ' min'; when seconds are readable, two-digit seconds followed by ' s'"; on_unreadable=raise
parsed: 6 h 50 min
